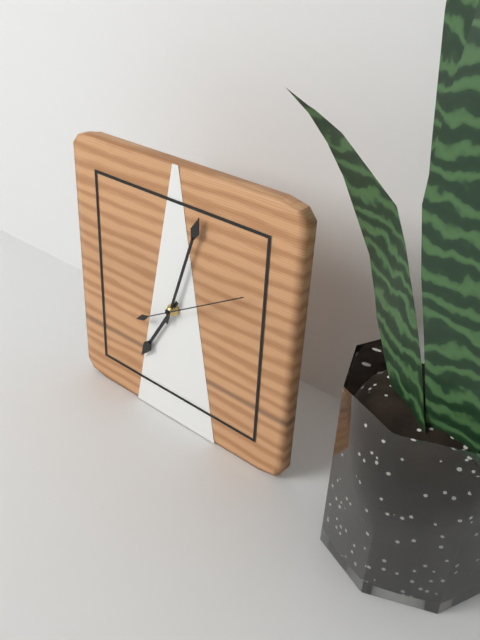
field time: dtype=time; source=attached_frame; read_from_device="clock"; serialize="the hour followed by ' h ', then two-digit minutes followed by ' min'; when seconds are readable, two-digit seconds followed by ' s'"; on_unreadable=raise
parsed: 7 h 03 min 10 s
